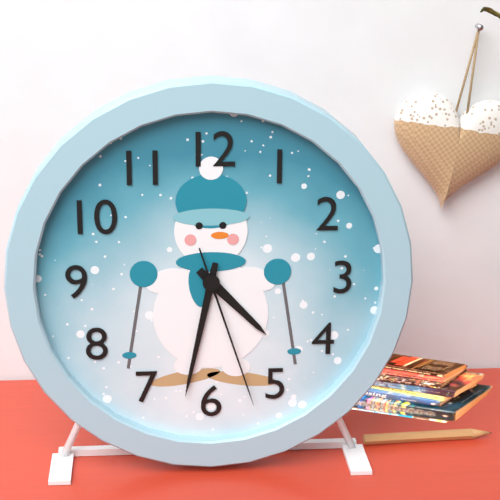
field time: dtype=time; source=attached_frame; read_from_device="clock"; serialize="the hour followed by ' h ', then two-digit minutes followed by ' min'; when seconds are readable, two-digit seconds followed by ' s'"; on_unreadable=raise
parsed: 4 h 32 min 27 s
